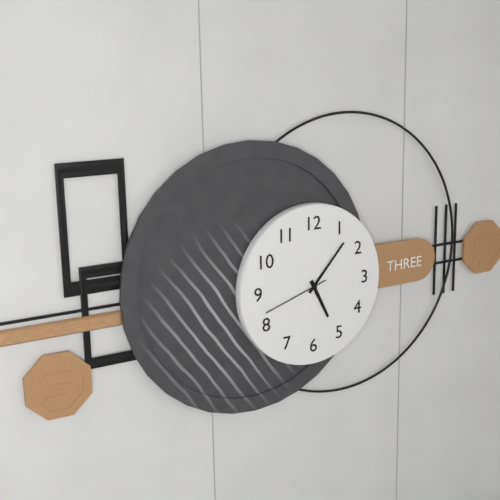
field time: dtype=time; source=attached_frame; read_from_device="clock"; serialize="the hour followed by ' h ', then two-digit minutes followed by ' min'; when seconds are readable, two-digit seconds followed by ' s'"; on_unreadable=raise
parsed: 5 h 07 min 42 s
